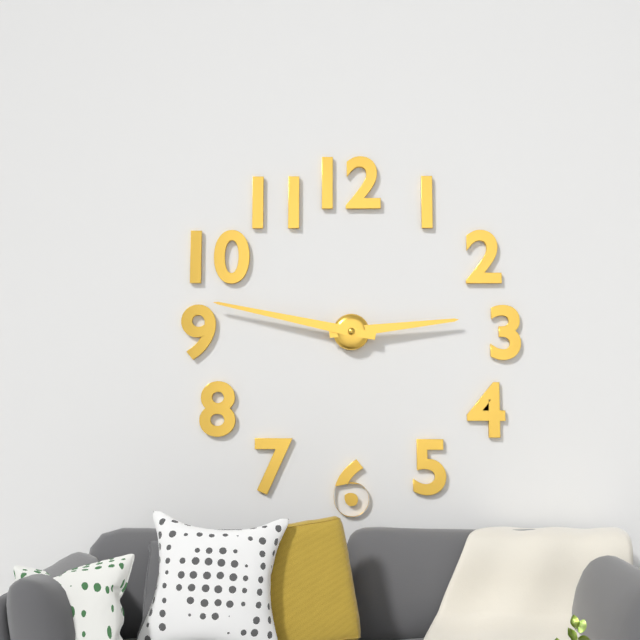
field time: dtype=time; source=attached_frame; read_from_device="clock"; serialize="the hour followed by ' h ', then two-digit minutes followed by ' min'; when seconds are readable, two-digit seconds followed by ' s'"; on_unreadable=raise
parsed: 2 h 47 min
